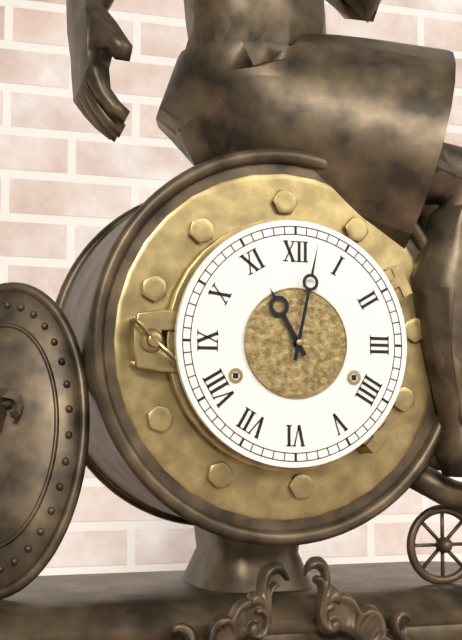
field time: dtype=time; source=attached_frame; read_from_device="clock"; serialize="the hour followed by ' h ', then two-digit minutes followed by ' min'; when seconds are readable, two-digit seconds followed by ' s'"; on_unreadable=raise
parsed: 11 h 02 min
